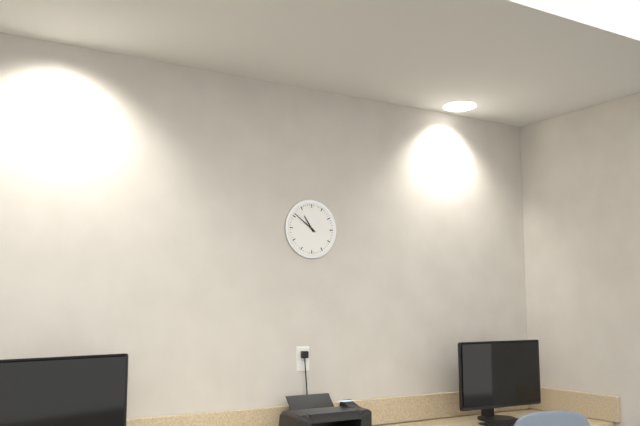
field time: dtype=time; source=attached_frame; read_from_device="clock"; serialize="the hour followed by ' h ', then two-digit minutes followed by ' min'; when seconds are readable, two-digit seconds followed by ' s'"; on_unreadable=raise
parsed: 10 h 51 min
